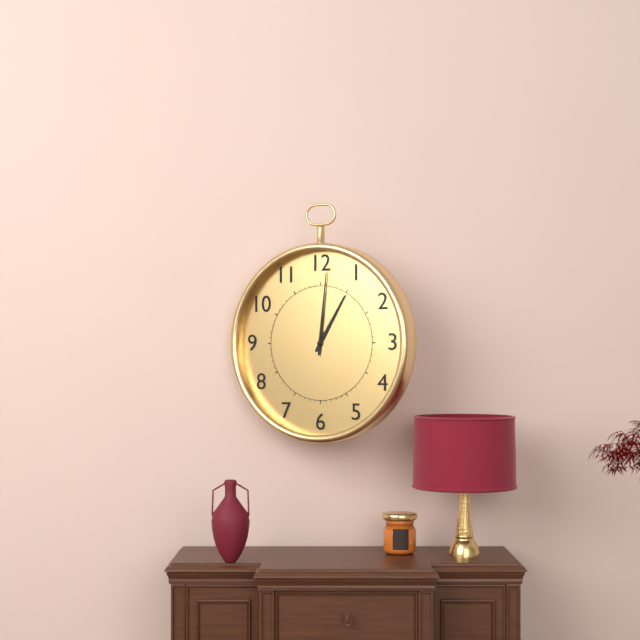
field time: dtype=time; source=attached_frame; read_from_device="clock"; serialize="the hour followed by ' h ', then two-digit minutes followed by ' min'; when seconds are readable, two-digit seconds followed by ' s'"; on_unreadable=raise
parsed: 1 h 01 min
